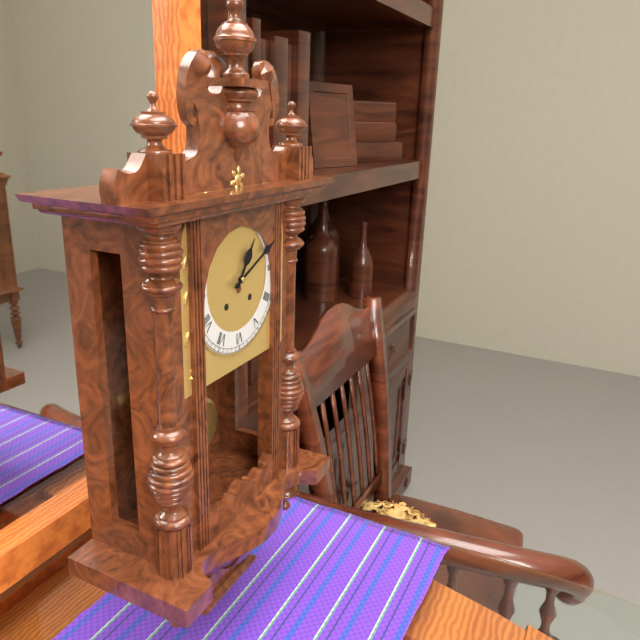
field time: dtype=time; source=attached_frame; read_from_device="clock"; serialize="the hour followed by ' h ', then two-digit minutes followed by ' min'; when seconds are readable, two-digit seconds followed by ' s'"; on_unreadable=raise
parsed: 1 h 11 min
